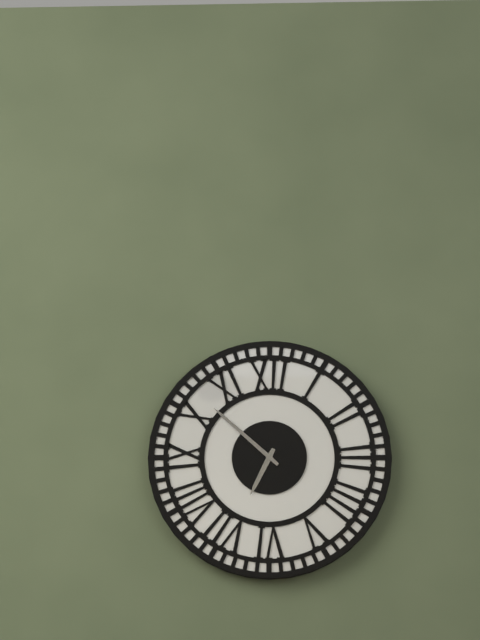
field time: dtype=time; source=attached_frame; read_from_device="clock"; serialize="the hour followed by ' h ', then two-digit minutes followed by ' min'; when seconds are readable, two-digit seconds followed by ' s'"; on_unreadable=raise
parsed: 6 h 52 min
